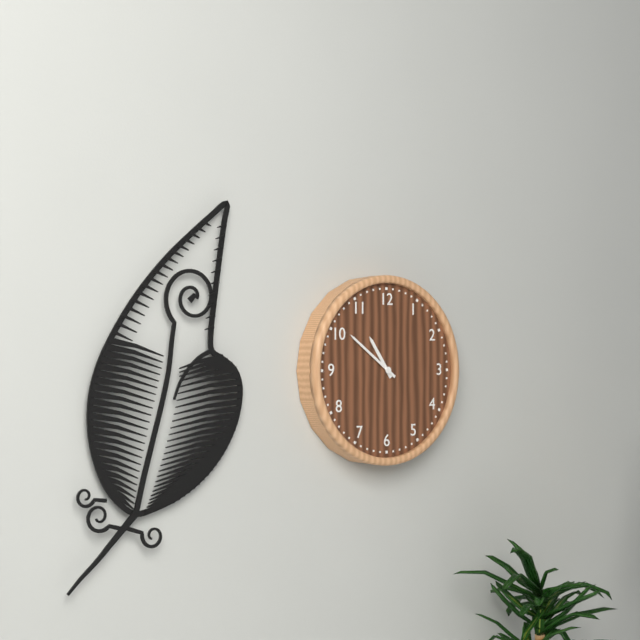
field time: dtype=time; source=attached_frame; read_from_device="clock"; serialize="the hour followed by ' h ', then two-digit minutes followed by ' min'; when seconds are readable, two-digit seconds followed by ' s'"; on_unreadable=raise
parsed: 10 h 51 min
